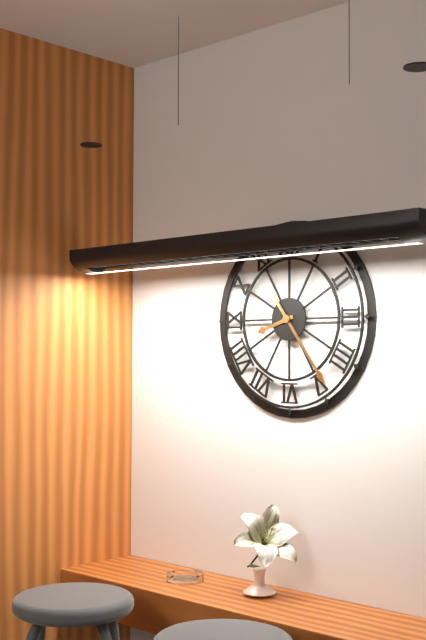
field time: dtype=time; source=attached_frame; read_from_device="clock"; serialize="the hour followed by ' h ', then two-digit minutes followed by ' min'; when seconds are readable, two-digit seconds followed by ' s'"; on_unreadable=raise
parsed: 8 h 24 min
